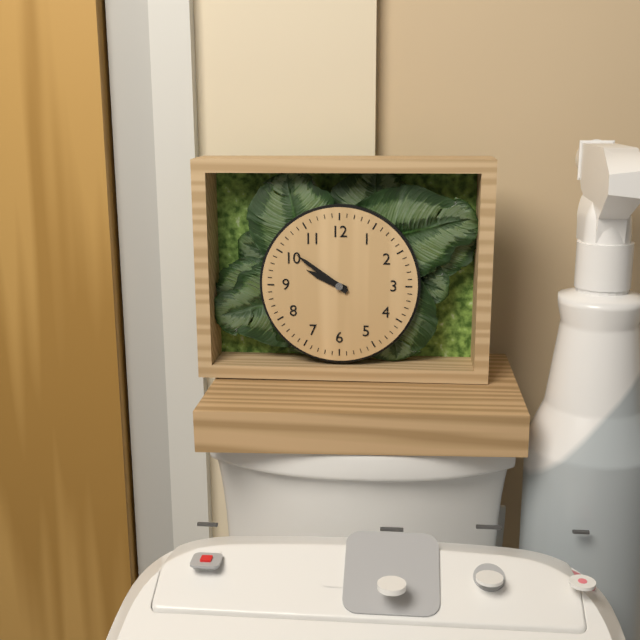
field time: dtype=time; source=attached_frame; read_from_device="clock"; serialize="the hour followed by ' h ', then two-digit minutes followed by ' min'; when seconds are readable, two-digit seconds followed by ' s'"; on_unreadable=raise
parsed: 9 h 51 min
